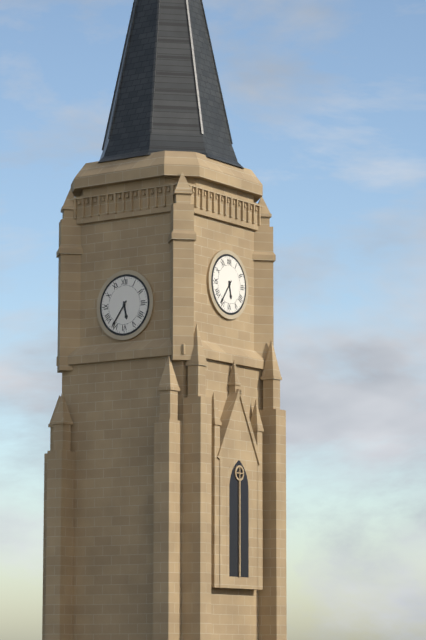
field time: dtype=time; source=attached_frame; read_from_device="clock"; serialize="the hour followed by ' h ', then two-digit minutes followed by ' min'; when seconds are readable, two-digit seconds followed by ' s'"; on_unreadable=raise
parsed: 5 h 36 min
